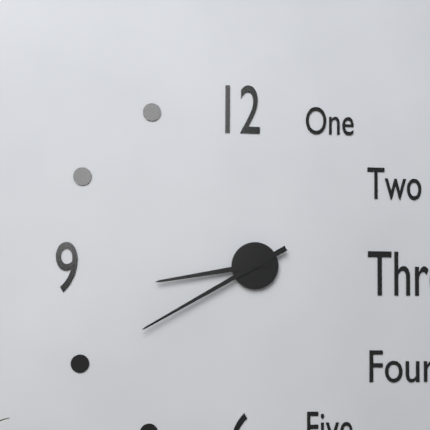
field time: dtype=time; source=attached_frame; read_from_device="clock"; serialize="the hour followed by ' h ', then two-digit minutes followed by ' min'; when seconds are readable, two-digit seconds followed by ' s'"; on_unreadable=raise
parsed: 8 h 40 min
